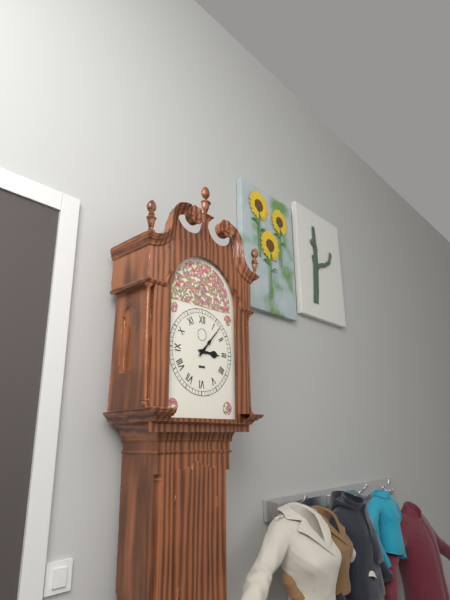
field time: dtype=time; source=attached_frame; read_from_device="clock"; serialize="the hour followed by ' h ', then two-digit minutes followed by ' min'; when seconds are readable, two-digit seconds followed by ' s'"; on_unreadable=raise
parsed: 3 h 07 min
